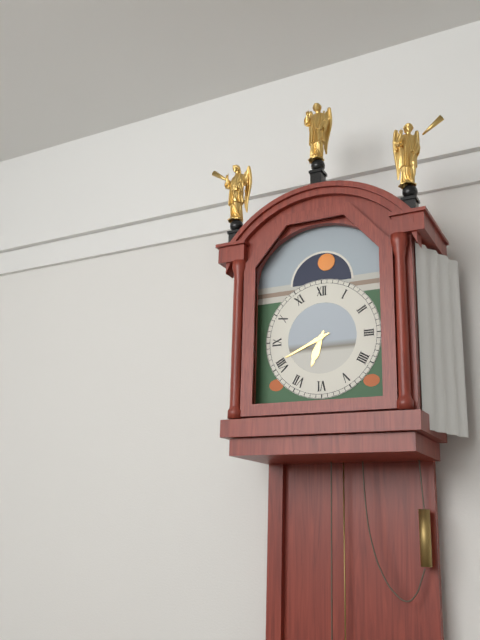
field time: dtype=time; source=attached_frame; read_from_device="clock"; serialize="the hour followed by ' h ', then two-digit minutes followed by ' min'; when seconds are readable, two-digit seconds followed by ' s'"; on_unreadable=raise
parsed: 6 h 41 min
